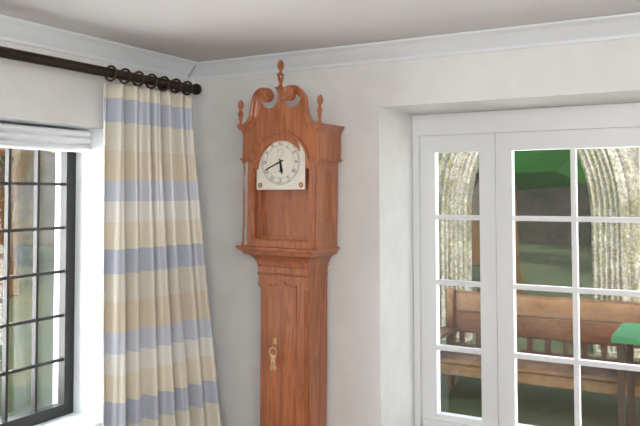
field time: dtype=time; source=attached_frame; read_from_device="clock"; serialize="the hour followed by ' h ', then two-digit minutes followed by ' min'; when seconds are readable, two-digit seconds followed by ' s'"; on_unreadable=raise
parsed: 5 h 41 min
